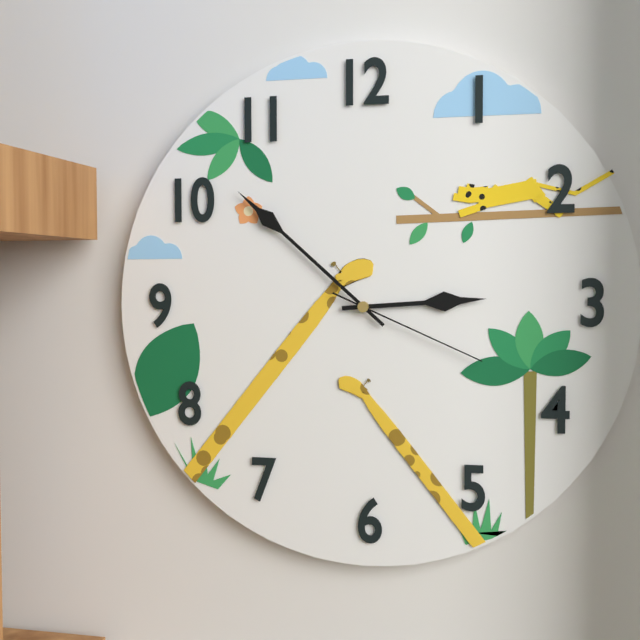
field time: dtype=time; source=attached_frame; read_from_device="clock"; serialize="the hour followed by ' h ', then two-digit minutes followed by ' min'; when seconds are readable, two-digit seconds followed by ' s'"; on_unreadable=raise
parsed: 2 h 52 min 19 s
